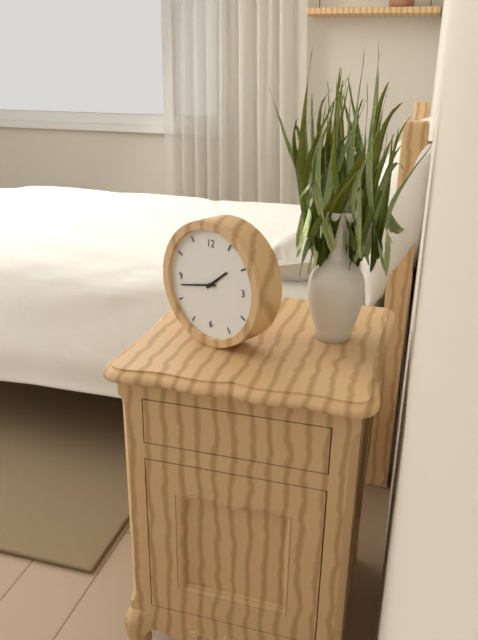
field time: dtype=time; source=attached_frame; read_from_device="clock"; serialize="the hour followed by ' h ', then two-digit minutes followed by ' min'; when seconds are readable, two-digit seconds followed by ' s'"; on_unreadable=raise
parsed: 1 h 43 min
